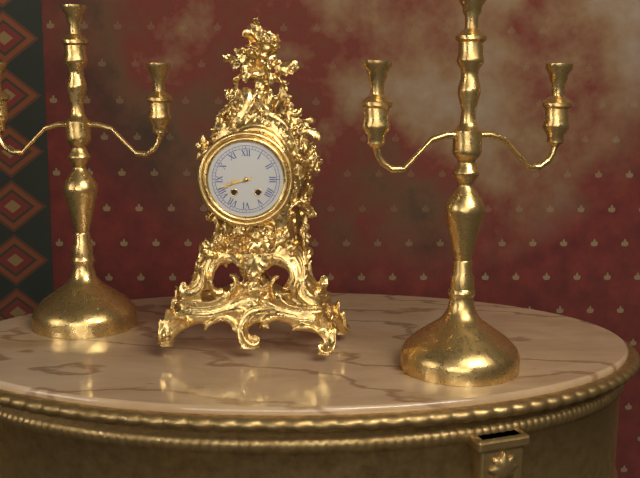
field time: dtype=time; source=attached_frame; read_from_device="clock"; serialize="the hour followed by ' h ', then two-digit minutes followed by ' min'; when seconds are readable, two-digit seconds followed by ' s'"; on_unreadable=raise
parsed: 8 h 42 min
